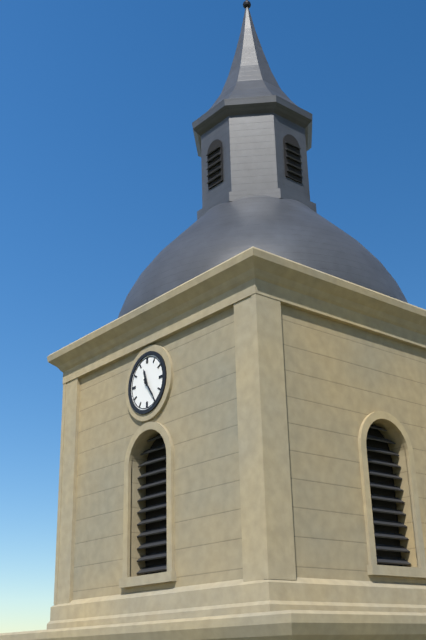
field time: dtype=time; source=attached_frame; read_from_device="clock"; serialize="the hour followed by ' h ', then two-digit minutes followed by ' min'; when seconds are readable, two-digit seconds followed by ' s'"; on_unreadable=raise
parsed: 11 h 24 min
